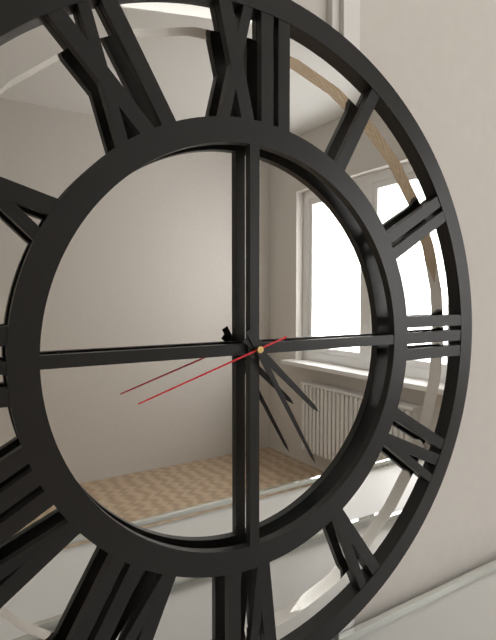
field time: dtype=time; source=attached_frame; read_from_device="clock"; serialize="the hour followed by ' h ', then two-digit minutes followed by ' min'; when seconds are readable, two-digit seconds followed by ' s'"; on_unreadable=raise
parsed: 4 h 25 min 42 s
